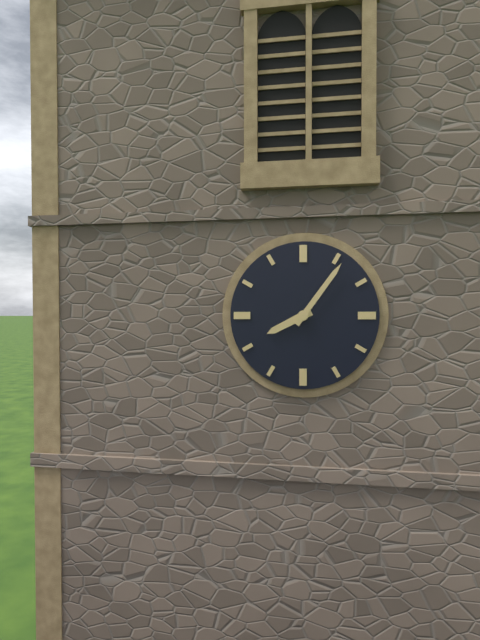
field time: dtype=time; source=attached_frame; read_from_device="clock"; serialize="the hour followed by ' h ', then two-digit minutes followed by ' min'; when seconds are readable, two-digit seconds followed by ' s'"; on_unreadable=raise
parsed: 8 h 06 min
